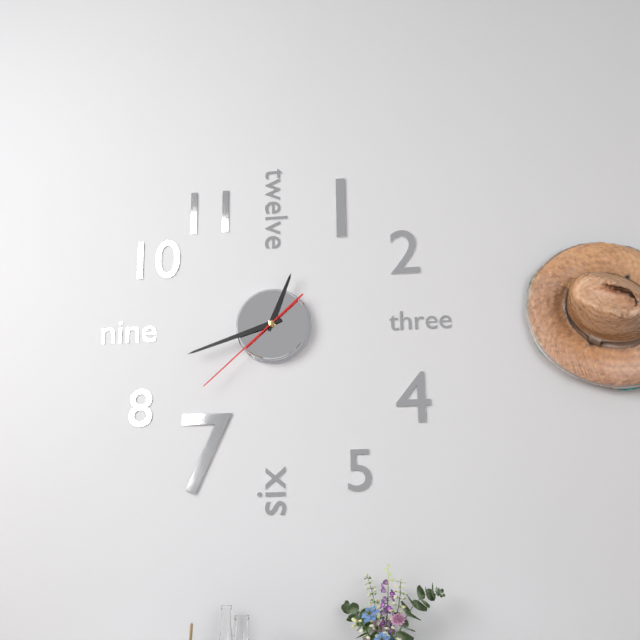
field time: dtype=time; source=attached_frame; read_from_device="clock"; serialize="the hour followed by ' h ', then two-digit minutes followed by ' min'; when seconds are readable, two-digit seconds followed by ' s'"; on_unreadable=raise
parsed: 12 h 42 min 38 s
